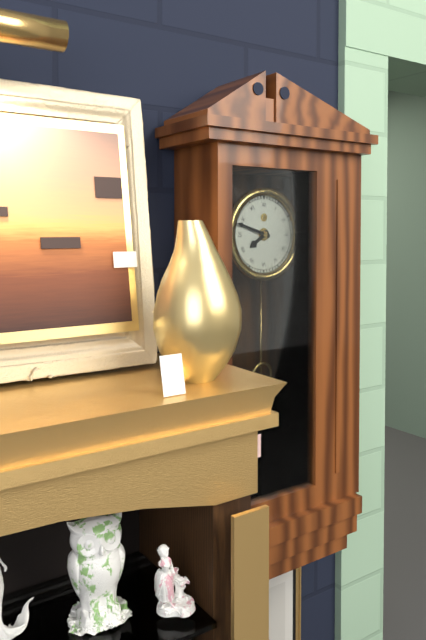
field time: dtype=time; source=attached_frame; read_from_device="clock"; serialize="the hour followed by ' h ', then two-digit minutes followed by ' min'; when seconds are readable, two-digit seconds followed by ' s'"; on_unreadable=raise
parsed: 7 h 48 min
